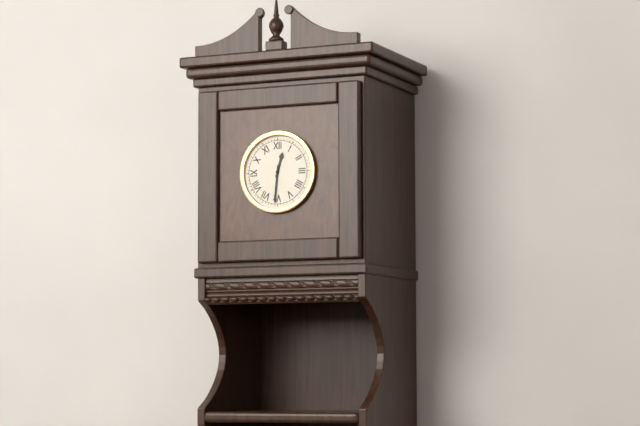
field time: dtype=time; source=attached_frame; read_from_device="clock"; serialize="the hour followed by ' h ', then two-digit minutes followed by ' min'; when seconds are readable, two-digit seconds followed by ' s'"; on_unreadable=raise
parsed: 12 h 31 min
